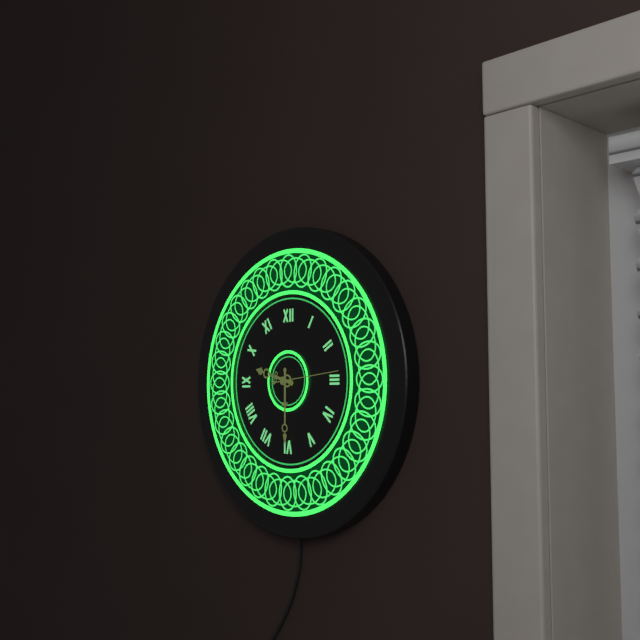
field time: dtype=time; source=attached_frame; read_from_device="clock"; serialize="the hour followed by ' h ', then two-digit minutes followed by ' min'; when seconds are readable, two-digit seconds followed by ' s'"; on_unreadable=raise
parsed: 9 h 30 min 14 s
